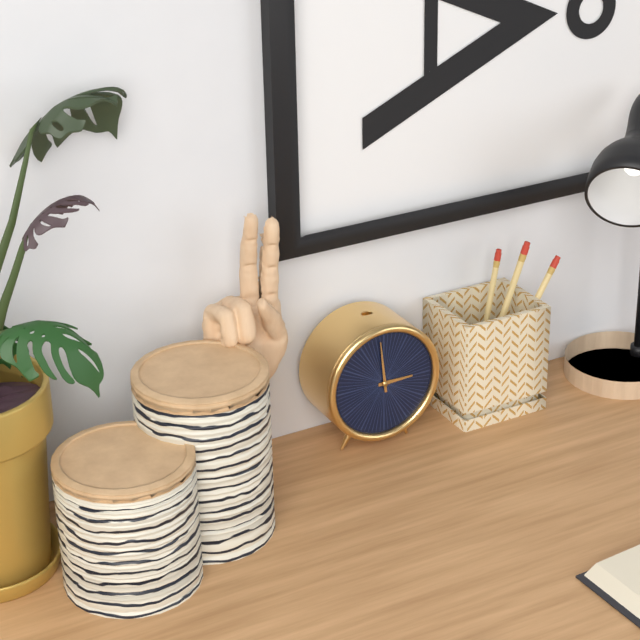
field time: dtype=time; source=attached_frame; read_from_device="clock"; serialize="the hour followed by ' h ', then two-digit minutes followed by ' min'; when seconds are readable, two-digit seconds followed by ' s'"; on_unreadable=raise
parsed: 2 h 59 min
